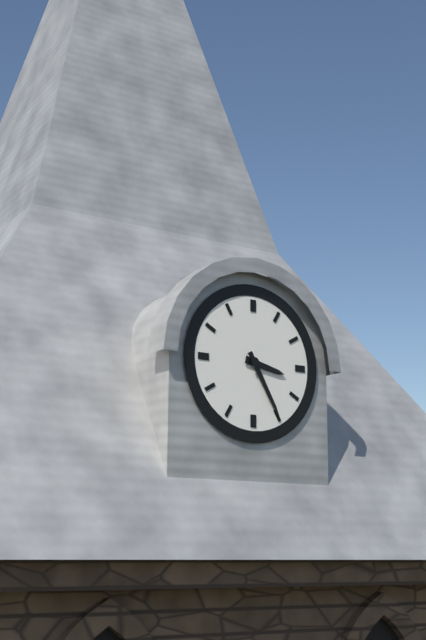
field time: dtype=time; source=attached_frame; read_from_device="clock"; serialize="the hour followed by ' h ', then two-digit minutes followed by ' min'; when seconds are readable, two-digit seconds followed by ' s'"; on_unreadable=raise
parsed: 3 h 25 min
